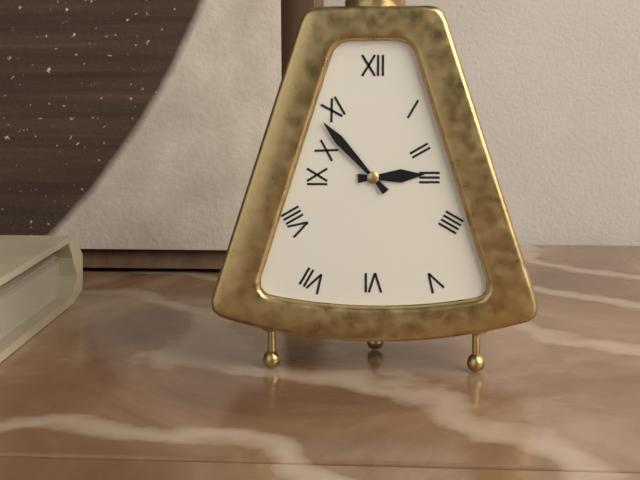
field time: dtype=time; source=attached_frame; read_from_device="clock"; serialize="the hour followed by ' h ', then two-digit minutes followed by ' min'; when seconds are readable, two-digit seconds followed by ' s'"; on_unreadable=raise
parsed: 2 h 53 min
